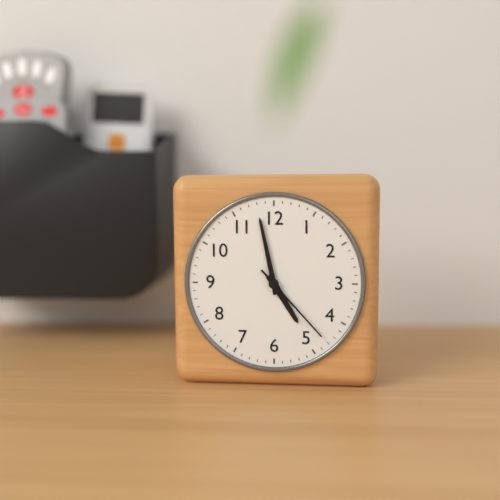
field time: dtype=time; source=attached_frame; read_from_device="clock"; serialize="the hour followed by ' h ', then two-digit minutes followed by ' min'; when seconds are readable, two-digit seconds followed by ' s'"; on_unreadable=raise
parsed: 4 h 58 min 23 s
